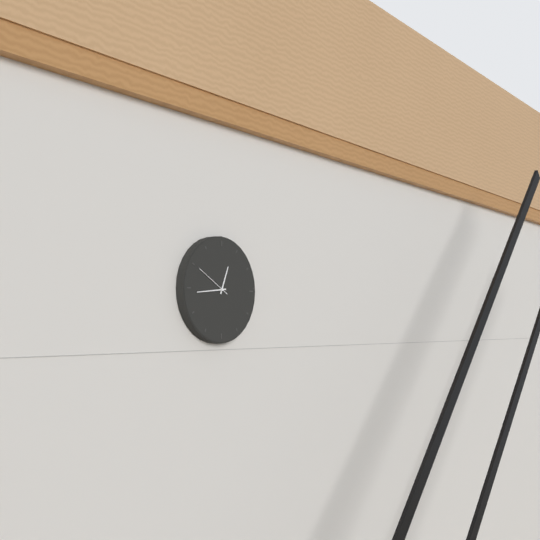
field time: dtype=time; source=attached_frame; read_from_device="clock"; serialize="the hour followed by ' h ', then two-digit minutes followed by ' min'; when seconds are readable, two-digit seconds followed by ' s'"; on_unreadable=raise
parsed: 12 h 44 min
